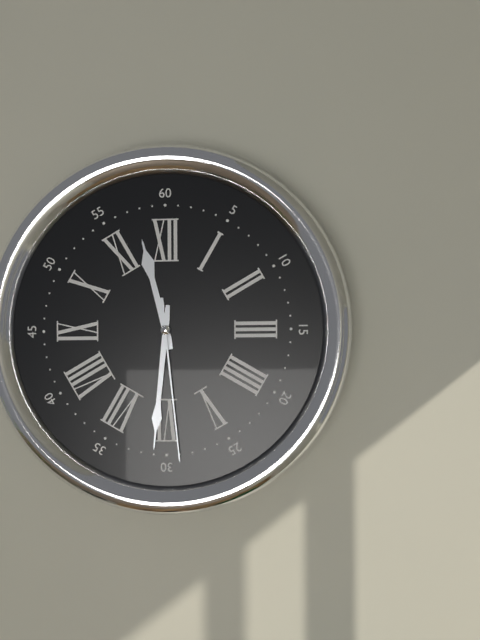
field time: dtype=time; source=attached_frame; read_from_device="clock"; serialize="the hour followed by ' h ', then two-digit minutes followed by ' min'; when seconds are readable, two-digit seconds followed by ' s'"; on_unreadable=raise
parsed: 11 h 31 min 29 s
